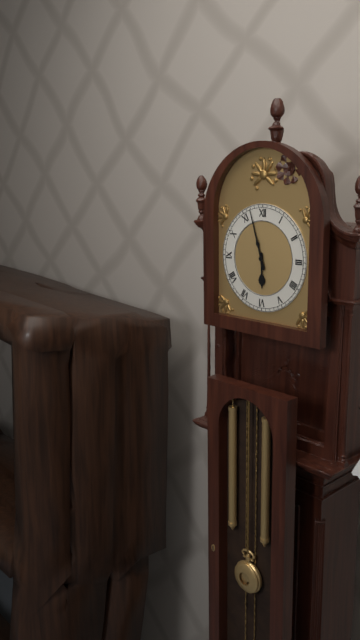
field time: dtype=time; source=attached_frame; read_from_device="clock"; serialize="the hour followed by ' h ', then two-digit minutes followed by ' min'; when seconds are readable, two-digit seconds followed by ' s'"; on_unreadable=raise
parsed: 5 h 57 min
